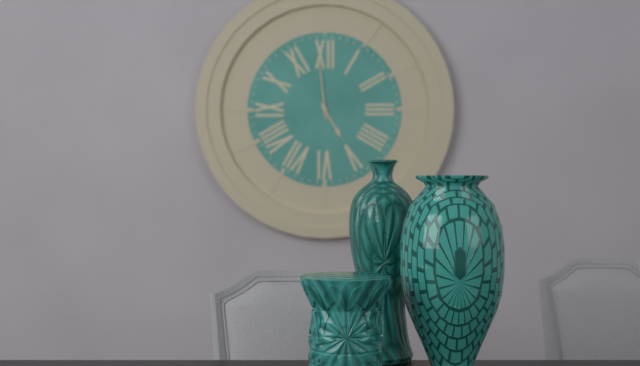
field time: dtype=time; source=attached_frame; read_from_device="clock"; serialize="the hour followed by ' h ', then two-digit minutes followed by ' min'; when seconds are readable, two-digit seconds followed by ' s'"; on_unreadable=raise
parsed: 4 h 59 min
